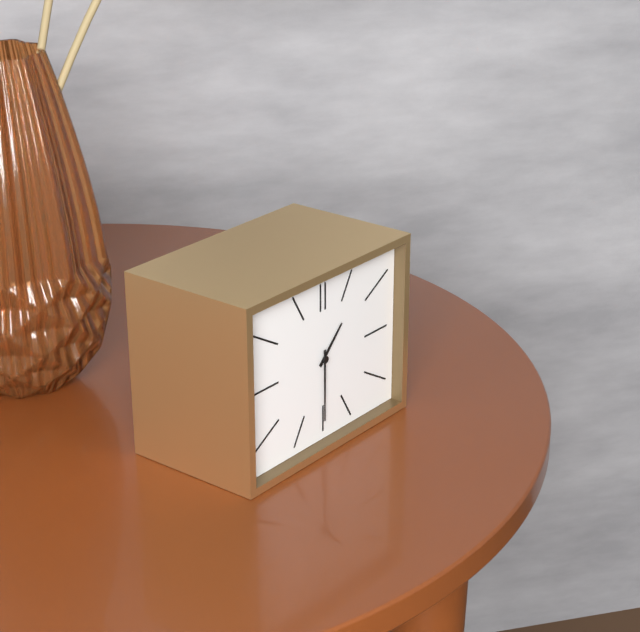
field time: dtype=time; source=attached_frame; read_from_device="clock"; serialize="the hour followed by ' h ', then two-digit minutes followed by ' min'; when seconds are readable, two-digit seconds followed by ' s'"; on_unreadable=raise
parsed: 1 h 30 min
